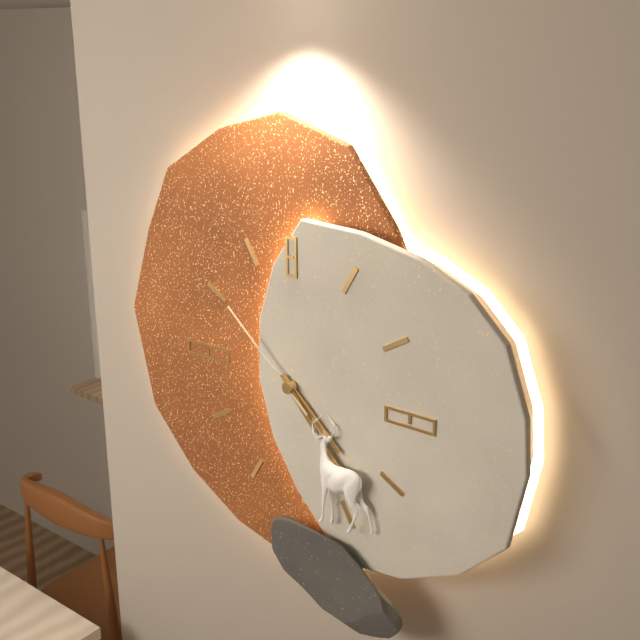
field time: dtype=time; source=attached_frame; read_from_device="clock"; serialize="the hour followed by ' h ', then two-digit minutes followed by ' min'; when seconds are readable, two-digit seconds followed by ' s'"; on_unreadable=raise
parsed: 4 h 23 min 52 s
